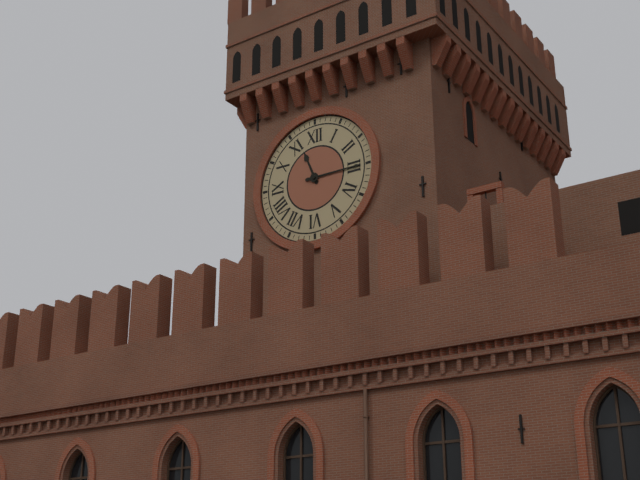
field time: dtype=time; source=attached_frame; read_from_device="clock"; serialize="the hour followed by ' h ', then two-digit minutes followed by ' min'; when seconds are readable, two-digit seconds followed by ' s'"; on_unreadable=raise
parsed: 11 h 15 min
